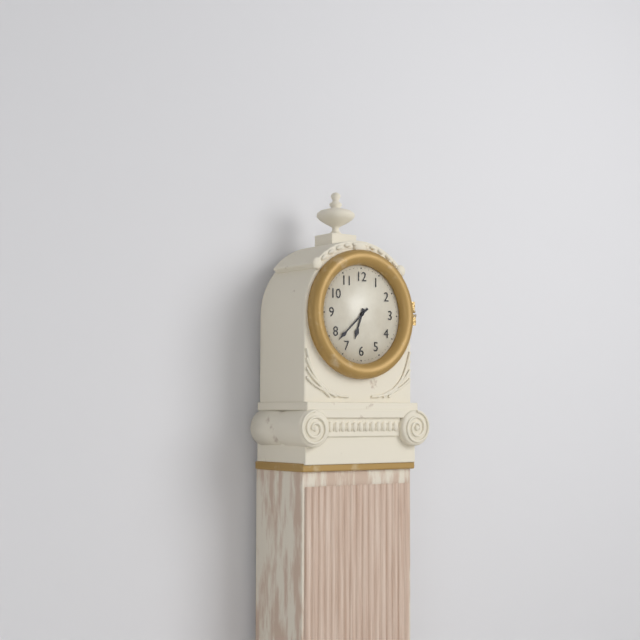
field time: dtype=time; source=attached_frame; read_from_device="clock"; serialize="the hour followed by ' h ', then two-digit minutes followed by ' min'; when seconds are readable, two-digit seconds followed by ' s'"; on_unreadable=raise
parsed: 6 h 38 min
